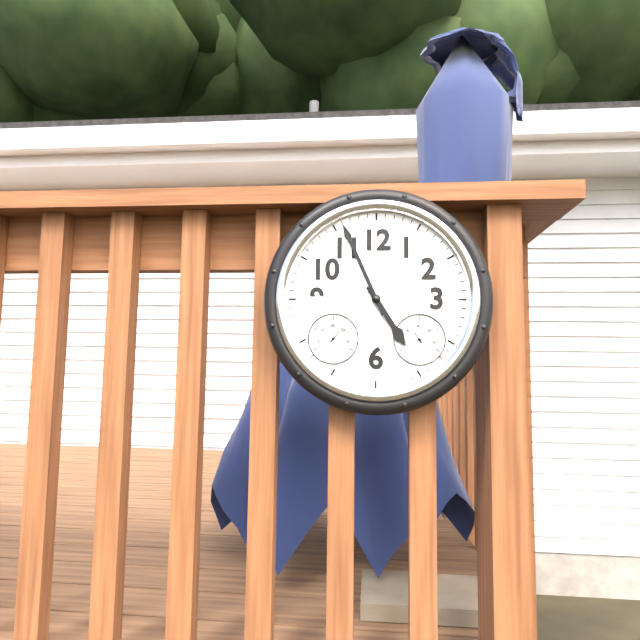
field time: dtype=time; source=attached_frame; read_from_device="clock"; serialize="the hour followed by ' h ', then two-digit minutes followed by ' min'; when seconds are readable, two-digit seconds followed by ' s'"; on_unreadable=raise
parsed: 4 h 56 min
